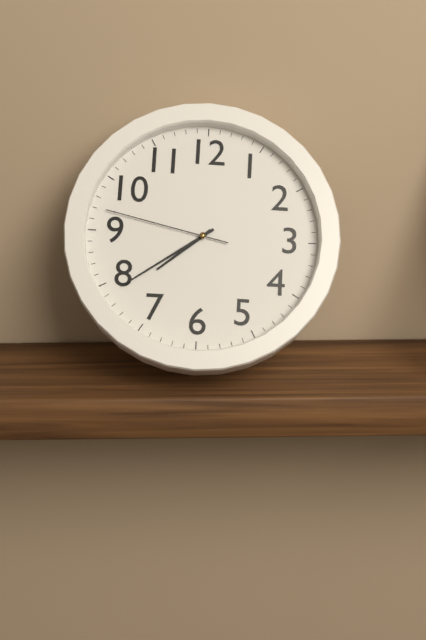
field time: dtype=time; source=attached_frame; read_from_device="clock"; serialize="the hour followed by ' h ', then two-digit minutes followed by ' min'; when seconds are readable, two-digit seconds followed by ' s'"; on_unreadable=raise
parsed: 7 h 39 min 47 s
